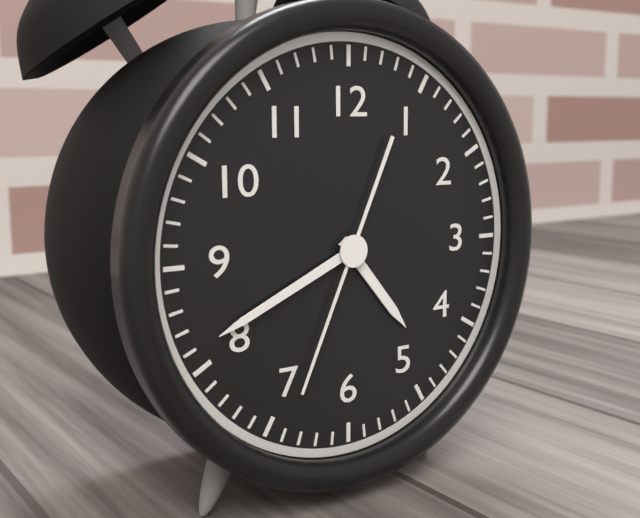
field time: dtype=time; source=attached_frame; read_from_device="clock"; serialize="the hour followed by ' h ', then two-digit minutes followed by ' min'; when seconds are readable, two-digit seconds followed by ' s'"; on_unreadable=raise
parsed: 4 h 41 min 34 s
